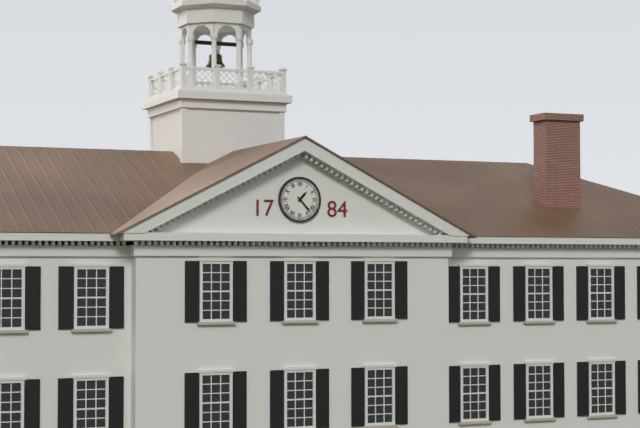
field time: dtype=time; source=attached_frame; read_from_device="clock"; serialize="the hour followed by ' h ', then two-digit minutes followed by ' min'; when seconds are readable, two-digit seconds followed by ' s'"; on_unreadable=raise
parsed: 1 h 23 min
